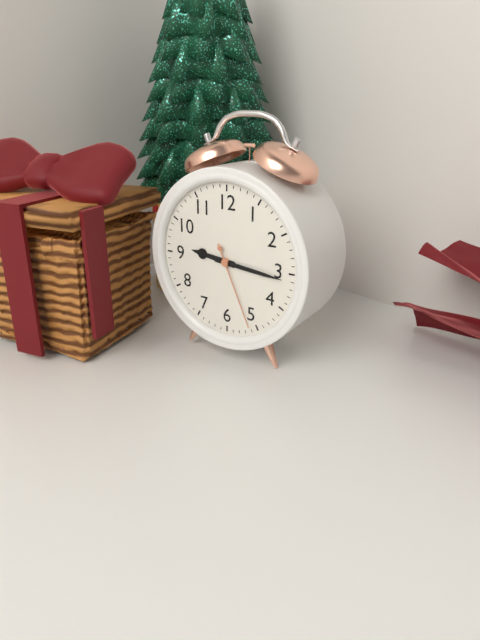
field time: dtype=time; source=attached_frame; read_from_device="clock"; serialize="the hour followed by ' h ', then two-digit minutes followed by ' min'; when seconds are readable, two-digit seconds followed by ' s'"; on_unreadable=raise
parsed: 9 h 16 min 26 s
